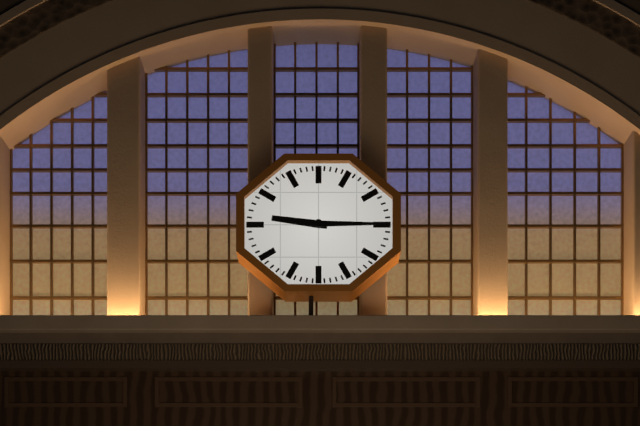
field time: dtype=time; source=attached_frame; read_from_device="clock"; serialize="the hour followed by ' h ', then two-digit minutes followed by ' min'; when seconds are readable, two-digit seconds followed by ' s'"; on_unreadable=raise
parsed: 9 h 15 min
